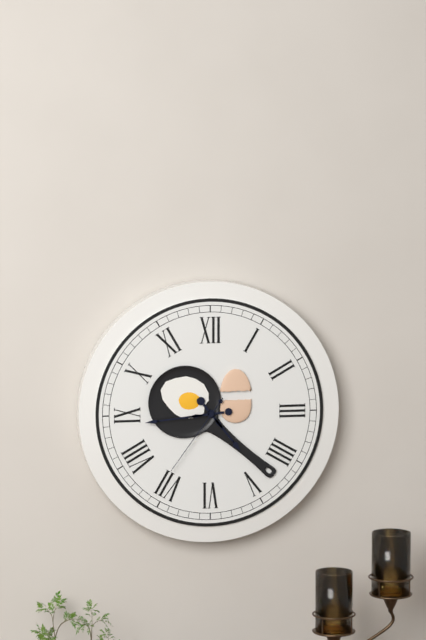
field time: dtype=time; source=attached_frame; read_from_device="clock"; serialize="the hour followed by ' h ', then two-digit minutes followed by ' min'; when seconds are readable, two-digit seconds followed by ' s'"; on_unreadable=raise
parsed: 4 h 44 min 36 s
